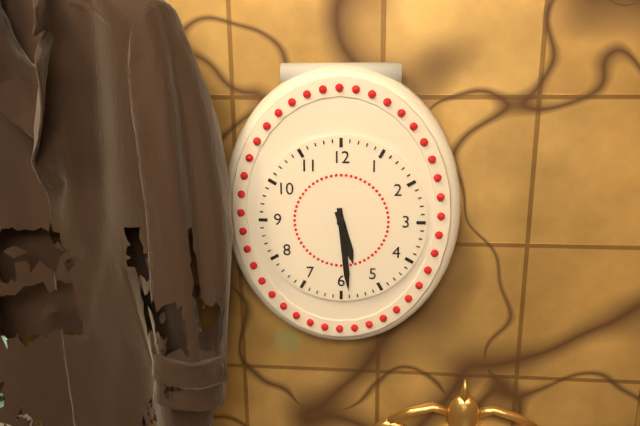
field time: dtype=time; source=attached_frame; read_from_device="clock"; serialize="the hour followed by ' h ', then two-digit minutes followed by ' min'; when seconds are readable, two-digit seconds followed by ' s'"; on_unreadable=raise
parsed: 5 h 29 min
